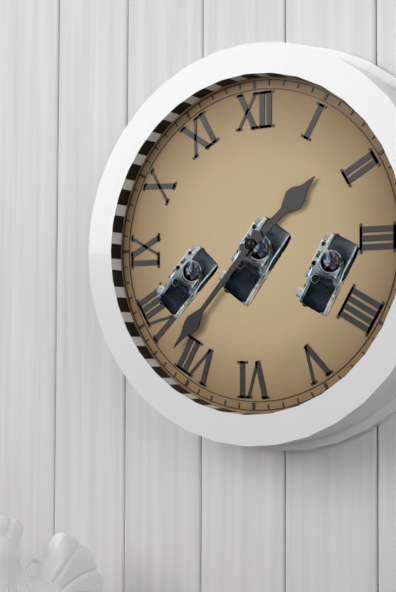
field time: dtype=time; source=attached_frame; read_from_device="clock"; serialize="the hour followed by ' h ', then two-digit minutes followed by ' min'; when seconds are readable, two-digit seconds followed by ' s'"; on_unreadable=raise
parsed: 1 h 37 min
